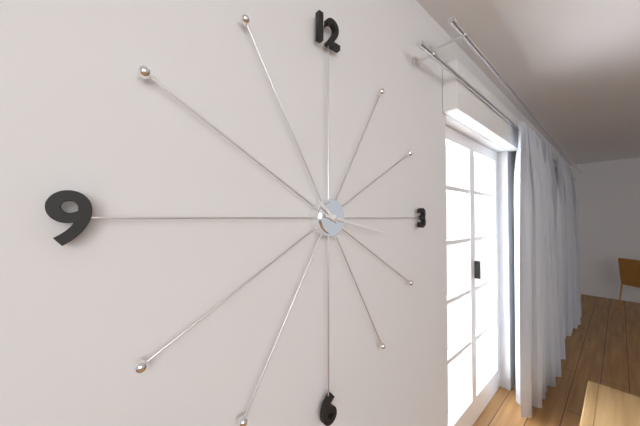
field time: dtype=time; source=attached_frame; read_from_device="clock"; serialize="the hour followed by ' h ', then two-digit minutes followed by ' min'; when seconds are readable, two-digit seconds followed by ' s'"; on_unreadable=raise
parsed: 10 h 17 min
